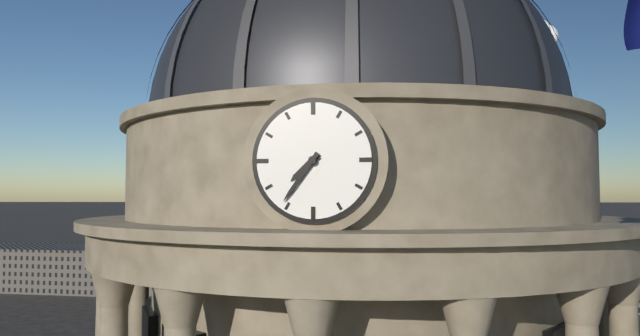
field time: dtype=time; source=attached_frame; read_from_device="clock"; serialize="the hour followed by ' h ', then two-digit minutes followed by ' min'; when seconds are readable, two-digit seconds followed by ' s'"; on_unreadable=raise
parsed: 7 h 36 min
